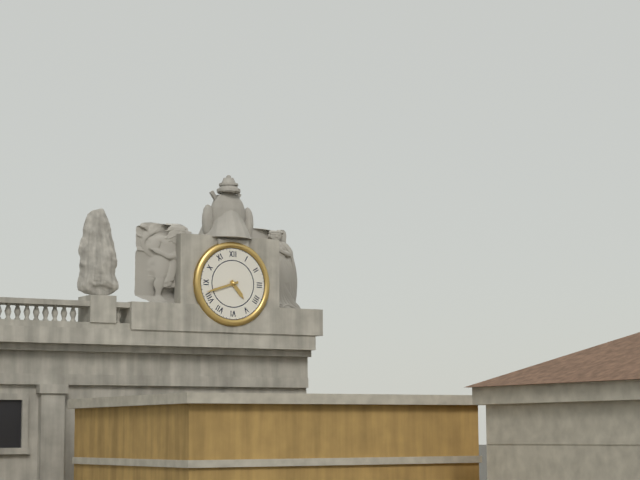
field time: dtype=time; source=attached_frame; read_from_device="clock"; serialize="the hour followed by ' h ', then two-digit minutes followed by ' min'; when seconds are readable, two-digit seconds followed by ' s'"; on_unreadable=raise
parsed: 4 h 42 min
